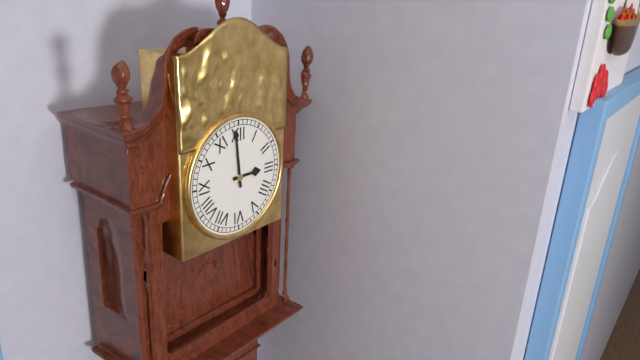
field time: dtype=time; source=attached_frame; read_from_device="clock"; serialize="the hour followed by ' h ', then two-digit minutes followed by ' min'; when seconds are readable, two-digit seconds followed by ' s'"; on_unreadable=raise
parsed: 2 h 59 min
